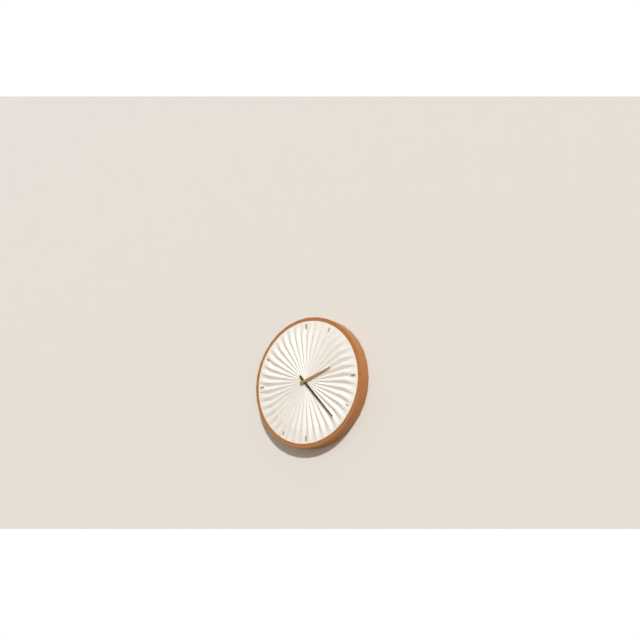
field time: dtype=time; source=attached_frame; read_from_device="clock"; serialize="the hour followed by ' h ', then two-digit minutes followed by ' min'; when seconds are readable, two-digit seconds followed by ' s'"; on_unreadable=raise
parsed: 2 h 23 min
